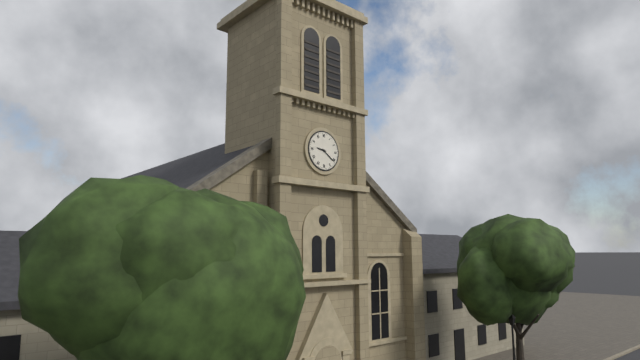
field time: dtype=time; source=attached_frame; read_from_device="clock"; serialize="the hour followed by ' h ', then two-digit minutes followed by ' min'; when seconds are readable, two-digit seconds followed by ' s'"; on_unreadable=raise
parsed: 9 h 21 min
